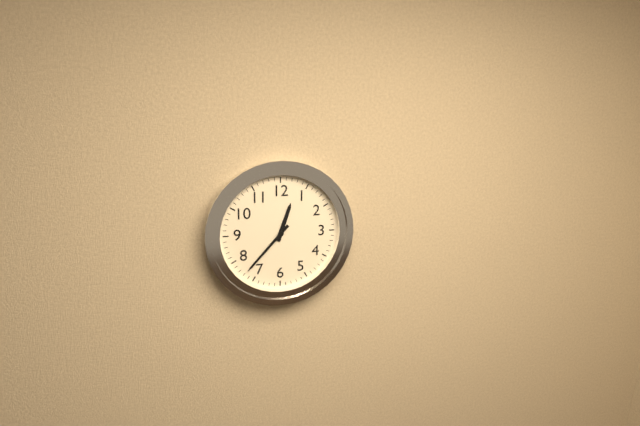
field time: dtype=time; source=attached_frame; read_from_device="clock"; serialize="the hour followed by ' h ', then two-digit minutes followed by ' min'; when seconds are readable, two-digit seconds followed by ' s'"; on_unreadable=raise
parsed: 12 h 37 min
